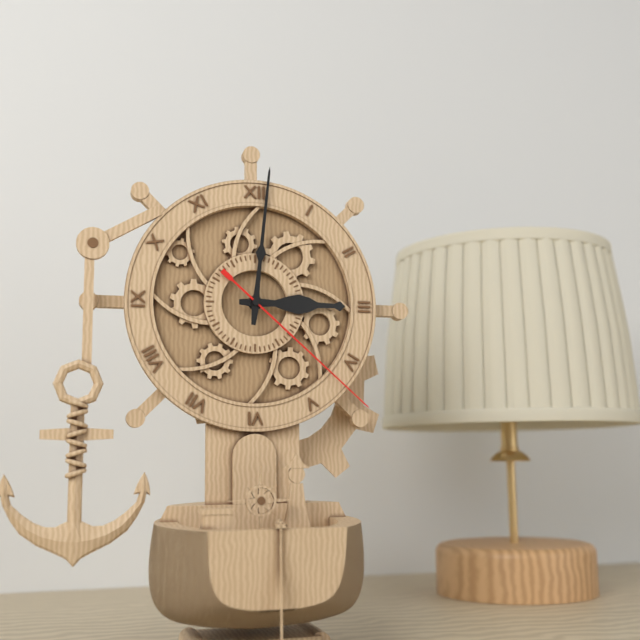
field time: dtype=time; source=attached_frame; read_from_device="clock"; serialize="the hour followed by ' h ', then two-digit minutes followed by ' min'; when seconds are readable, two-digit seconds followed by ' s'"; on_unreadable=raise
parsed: 3 h 01 min 22 s
